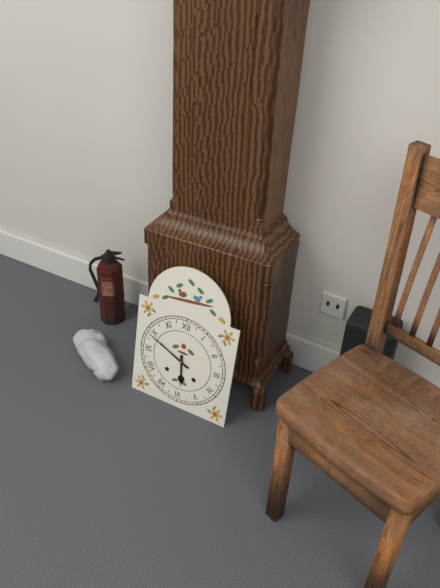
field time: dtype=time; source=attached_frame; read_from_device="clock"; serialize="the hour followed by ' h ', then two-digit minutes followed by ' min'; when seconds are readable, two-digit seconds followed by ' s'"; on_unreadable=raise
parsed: 5 h 49 min
